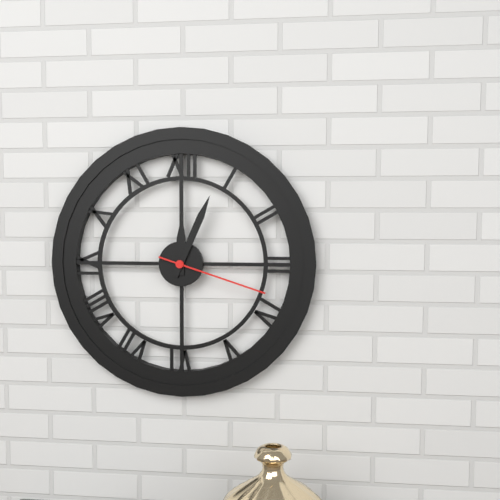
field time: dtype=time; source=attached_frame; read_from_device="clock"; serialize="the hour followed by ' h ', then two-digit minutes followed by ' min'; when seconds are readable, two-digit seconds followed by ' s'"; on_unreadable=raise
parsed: 12 h 04 min 18 s
